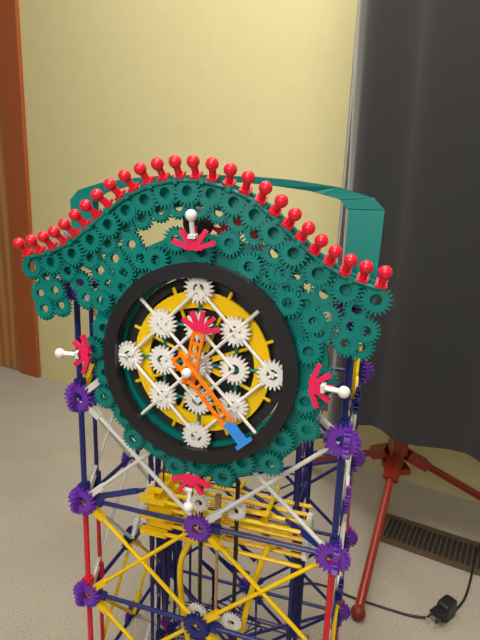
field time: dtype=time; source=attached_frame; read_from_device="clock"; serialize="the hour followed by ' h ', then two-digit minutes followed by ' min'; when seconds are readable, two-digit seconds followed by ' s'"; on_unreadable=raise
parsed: 12 h 23 min
